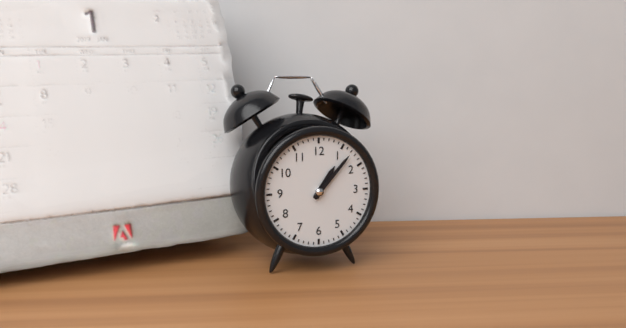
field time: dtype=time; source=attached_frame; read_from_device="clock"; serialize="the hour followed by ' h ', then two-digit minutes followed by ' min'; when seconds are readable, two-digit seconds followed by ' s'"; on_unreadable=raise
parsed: 1 h 07 min
